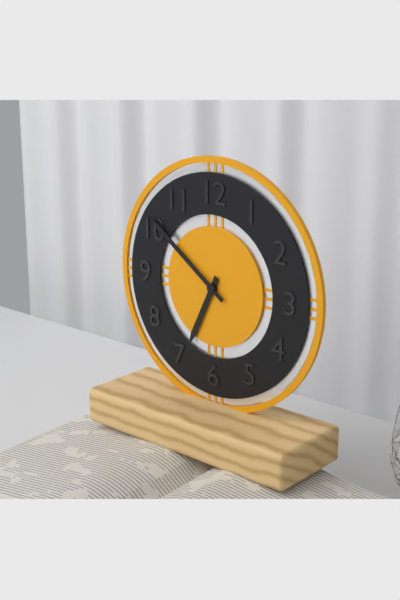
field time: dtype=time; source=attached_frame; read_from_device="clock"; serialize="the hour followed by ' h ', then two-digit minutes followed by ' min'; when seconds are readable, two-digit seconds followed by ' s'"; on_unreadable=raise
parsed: 6 h 51 min
